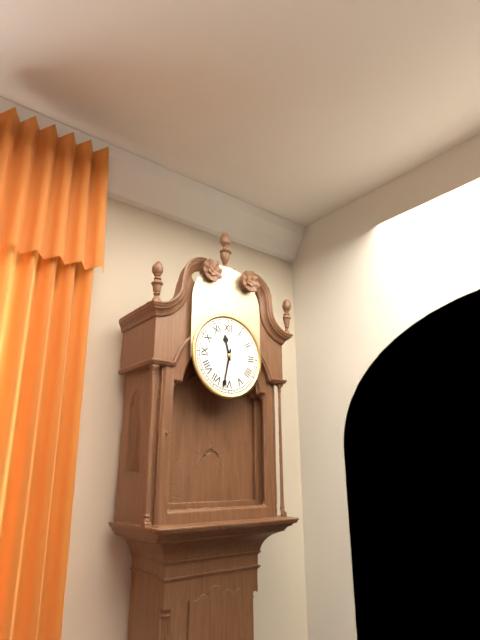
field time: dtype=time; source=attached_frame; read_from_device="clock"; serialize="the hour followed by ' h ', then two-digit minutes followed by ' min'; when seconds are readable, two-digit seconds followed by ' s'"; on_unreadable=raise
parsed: 11 h 32 min
